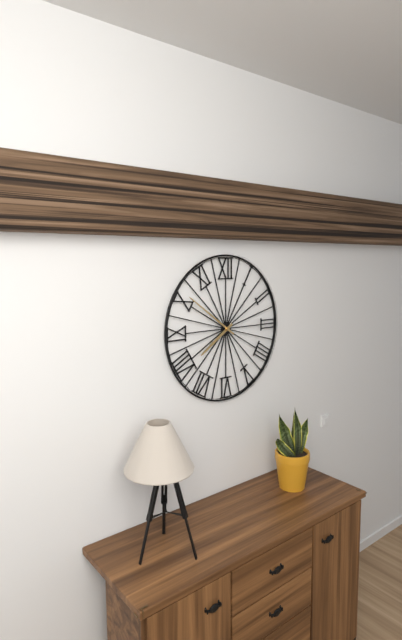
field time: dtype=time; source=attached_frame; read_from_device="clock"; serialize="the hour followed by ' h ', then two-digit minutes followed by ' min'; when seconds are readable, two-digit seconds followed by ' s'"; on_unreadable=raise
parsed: 7 h 51 min
